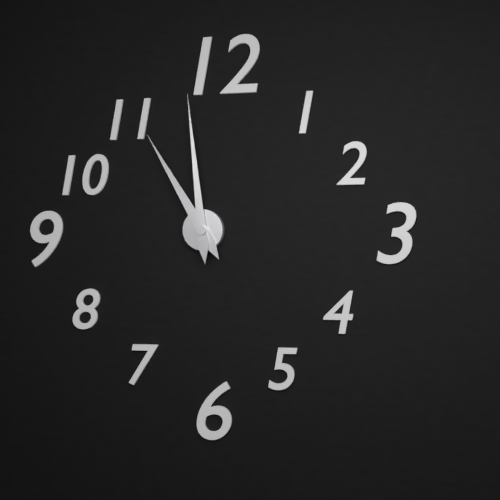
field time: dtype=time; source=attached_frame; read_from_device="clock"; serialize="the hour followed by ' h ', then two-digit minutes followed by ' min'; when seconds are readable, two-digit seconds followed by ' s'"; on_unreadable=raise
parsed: 10 h 59 min
